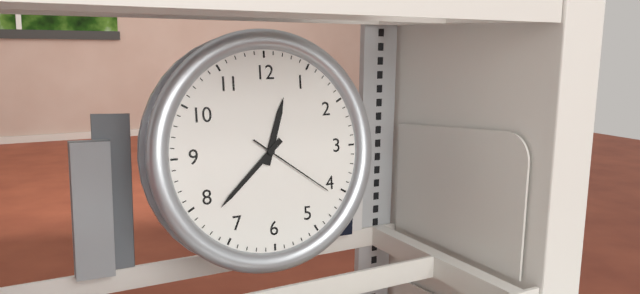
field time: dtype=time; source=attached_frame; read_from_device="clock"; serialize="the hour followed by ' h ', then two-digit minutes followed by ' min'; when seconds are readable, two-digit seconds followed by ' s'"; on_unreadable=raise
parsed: 12 h 38 min 21 s
